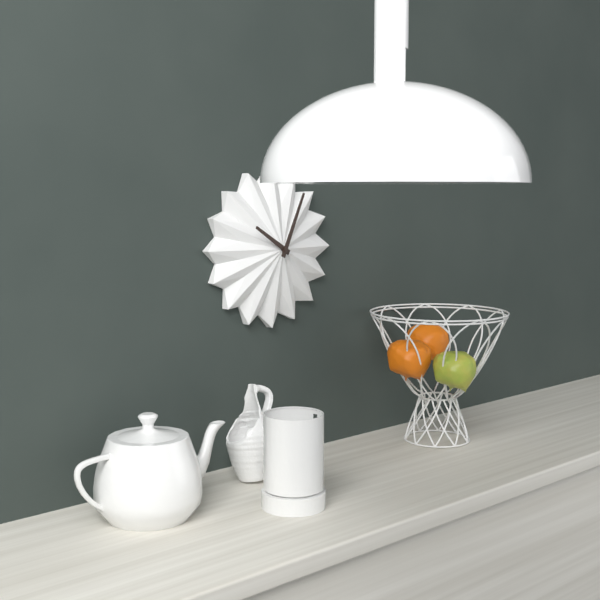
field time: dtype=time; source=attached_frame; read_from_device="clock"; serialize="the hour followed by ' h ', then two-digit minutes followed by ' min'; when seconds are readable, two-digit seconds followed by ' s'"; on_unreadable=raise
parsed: 10 h 04 min
